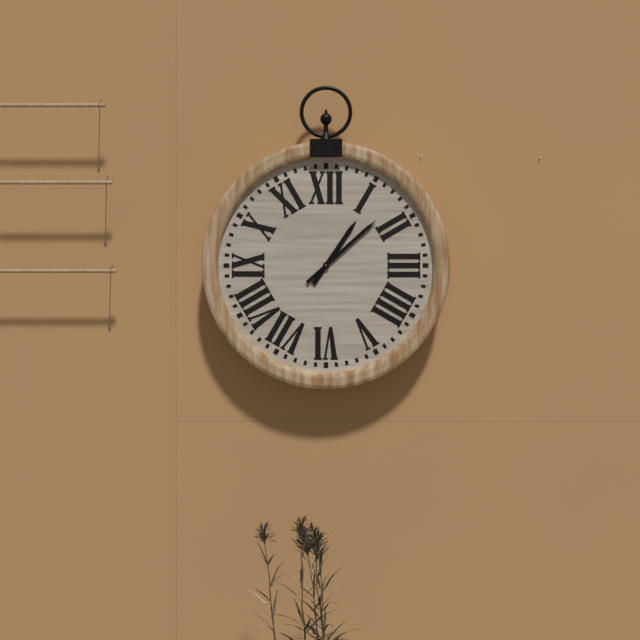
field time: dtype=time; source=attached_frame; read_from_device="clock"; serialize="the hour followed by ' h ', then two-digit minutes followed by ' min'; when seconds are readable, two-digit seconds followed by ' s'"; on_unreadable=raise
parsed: 1 h 08 min
